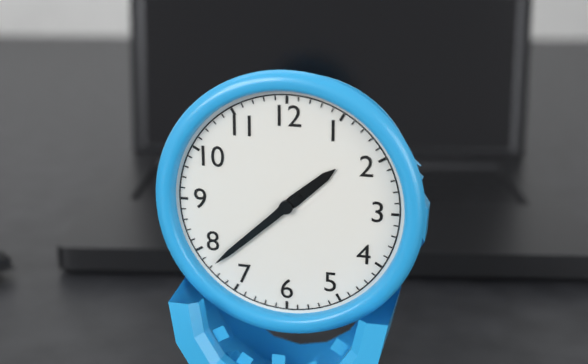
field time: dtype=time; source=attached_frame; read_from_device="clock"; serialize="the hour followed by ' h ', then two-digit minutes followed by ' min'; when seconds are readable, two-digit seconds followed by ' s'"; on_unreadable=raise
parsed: 1 h 38 min
